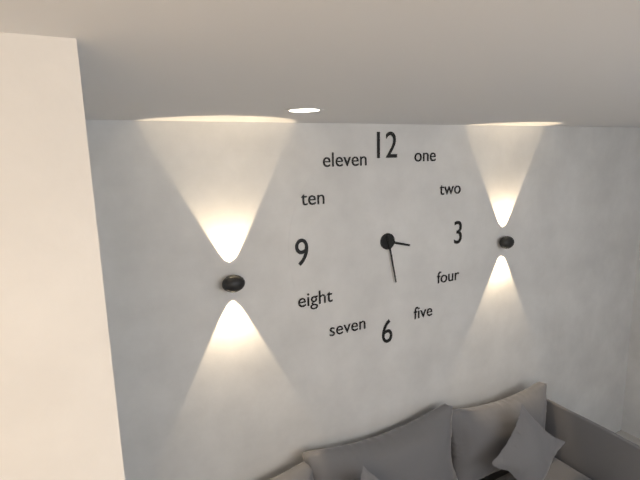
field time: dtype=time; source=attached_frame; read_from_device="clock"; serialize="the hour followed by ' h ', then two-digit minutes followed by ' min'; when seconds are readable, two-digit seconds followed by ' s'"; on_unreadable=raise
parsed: 3 h 28 min
